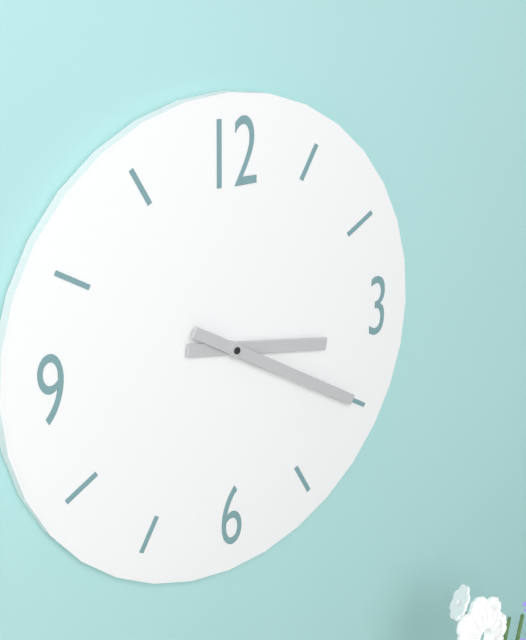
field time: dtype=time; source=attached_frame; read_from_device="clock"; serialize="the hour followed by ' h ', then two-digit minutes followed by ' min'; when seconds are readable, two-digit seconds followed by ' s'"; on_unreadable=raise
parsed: 3 h 20 min
